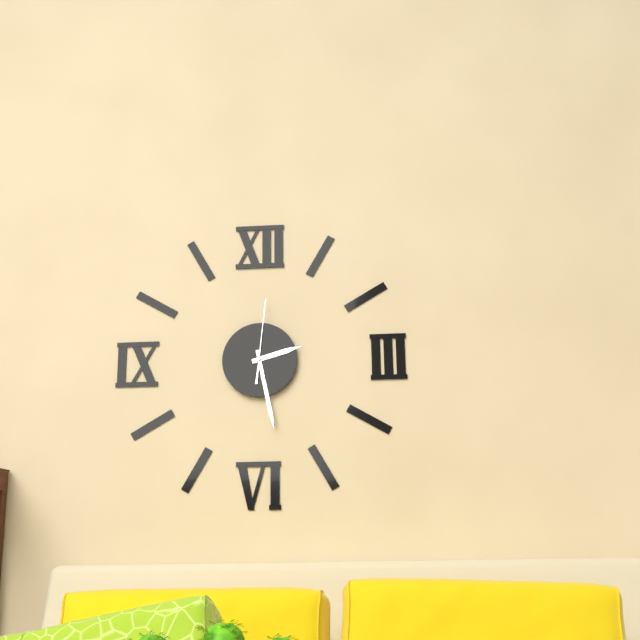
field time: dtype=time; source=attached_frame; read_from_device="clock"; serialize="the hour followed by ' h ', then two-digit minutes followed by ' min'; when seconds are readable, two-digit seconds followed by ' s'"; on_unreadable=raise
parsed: 2 h 28 min 01 s
